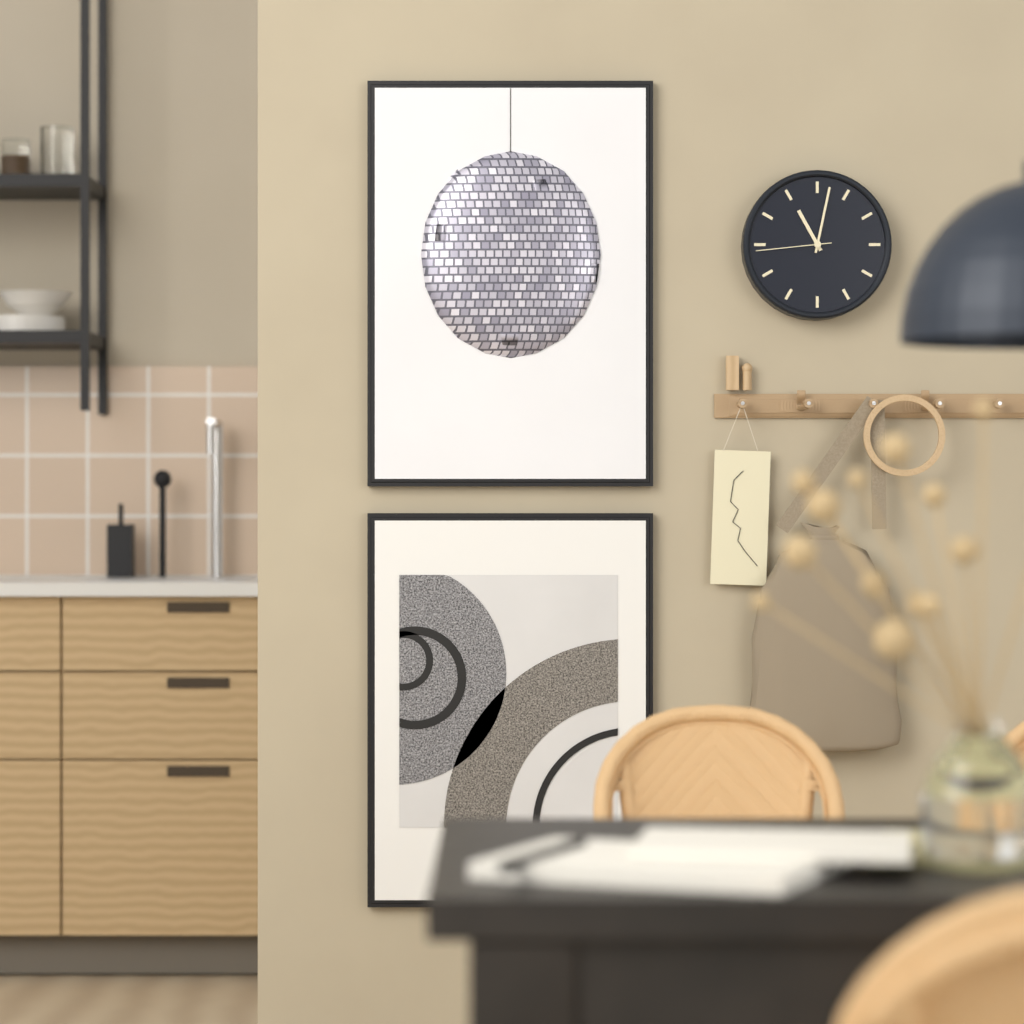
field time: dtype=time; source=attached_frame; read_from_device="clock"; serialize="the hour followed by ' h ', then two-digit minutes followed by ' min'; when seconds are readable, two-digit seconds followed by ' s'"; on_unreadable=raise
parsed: 11 h 02 min 44 s
